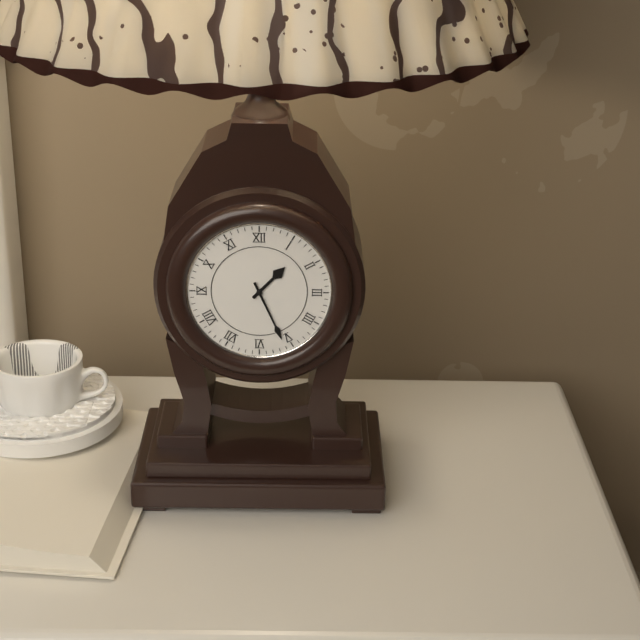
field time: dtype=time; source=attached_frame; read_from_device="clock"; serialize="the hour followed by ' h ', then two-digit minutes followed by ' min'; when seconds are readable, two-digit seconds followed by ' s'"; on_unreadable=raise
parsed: 1 h 26 min
